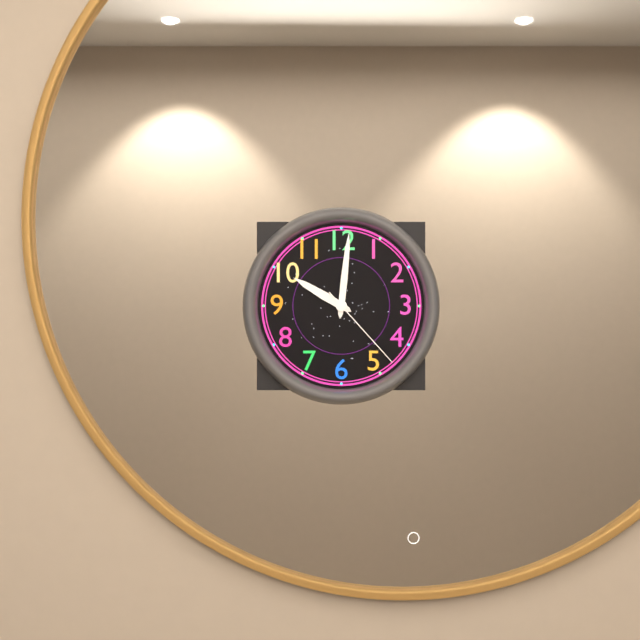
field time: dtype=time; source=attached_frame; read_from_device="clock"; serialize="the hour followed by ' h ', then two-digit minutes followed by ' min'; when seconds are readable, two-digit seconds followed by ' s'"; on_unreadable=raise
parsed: 10 h 01 min 23 s
